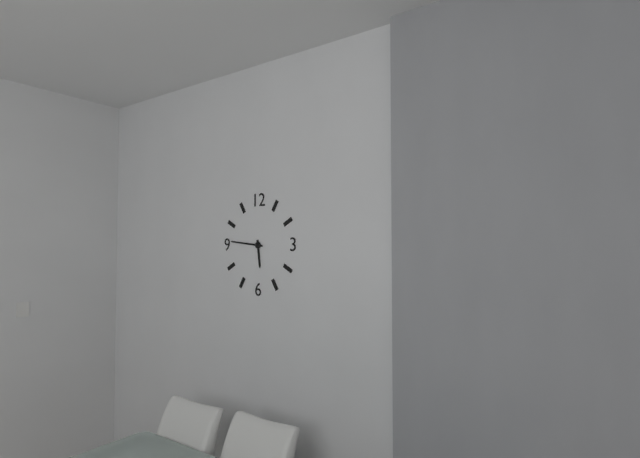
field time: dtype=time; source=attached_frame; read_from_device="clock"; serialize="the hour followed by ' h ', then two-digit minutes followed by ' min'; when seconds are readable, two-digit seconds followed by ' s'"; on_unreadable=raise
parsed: 5 h 46 min
